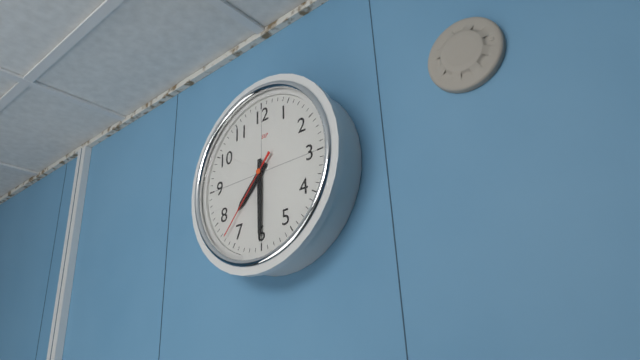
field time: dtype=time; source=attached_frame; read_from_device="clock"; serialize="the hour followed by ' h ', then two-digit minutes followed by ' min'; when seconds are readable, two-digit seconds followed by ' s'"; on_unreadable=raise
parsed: 7 h 30 min 37 s
